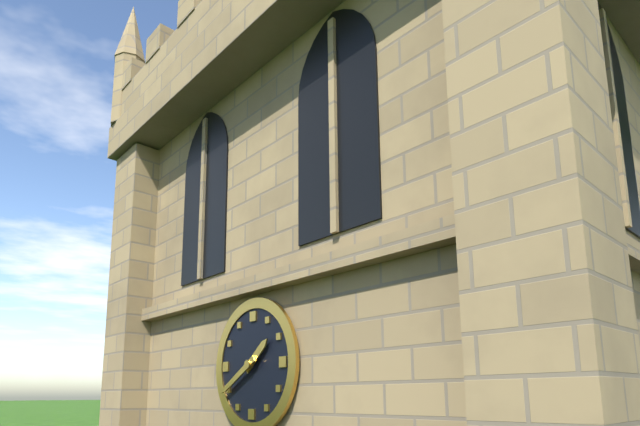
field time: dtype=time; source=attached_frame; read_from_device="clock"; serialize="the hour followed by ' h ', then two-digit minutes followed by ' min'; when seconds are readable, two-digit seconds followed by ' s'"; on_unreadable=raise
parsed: 1 h 40 min
